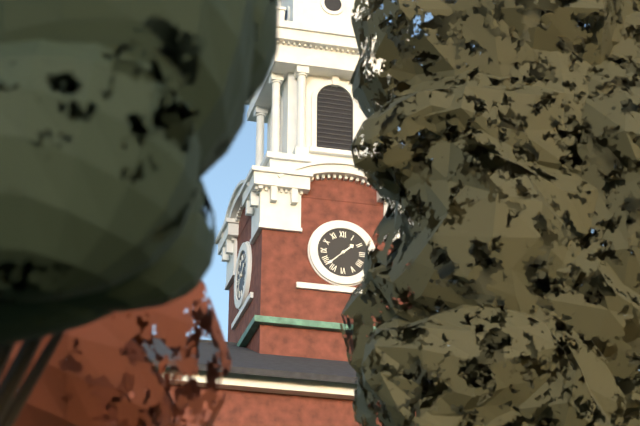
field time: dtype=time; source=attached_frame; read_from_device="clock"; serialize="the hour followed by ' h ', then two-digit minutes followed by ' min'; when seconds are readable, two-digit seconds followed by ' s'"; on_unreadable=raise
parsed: 1 h 38 min
